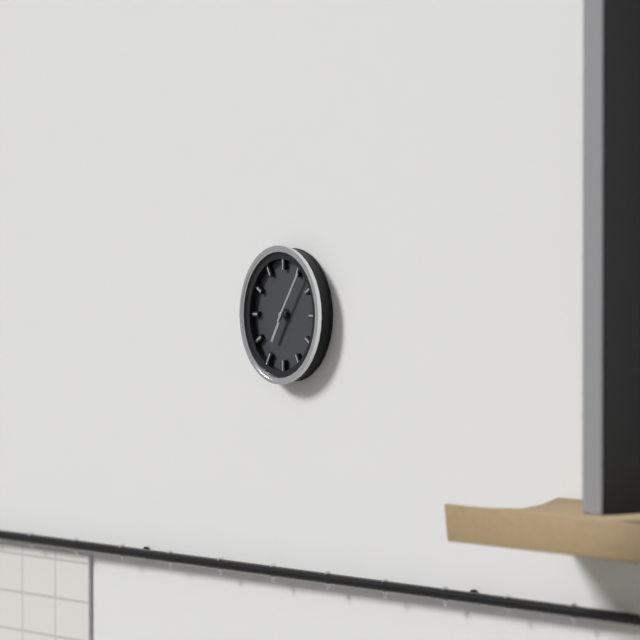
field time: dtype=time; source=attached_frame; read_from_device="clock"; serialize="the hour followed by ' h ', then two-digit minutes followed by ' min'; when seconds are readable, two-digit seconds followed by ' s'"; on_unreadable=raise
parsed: 7 h 06 min
